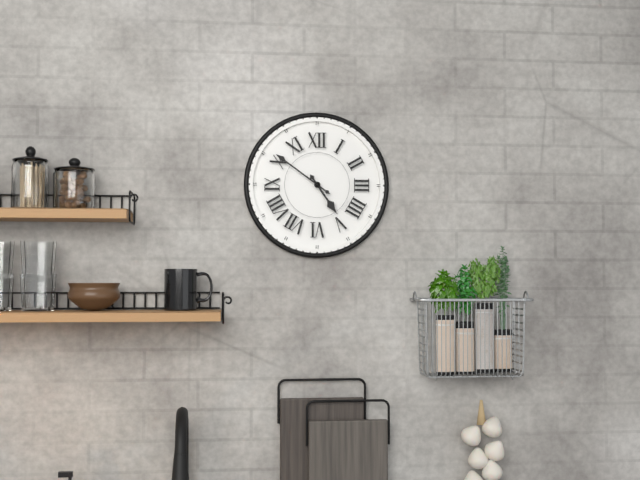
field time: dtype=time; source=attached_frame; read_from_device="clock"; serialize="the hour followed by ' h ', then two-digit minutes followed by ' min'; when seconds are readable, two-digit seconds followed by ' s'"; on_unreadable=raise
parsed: 4 h 51 min
